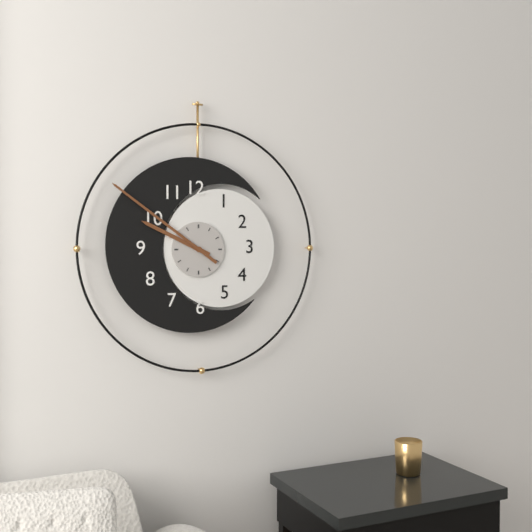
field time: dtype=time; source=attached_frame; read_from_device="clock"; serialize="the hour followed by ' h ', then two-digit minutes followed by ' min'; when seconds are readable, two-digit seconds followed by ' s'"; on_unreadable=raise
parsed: 9 h 51 min
